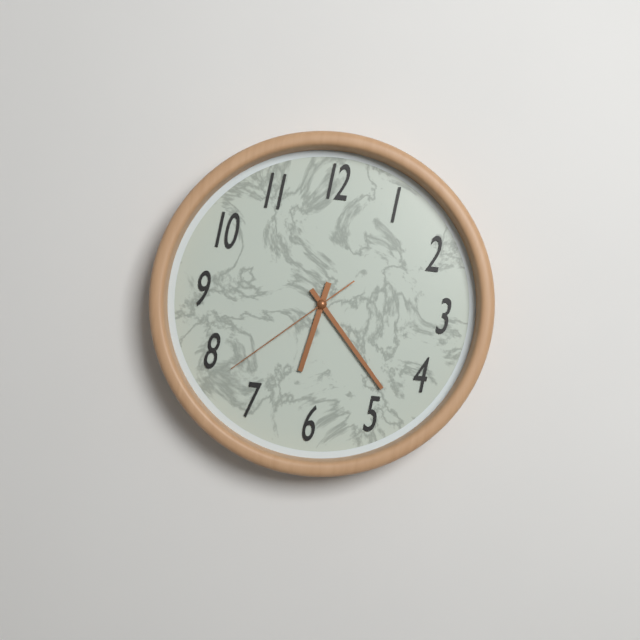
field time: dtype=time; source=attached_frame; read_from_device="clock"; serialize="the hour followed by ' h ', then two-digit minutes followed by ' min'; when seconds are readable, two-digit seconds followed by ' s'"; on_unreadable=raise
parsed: 6 h 23 min 38 s
